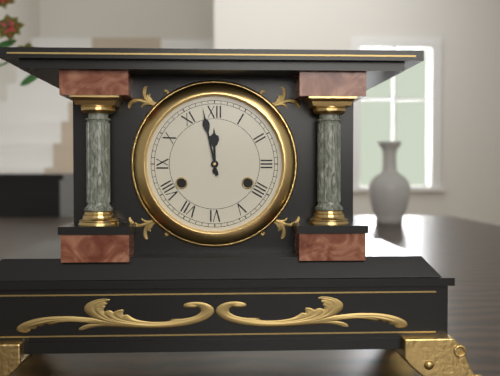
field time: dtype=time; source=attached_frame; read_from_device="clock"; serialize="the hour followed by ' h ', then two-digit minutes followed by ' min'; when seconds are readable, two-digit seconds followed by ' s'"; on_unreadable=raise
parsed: 11 h 58 min
